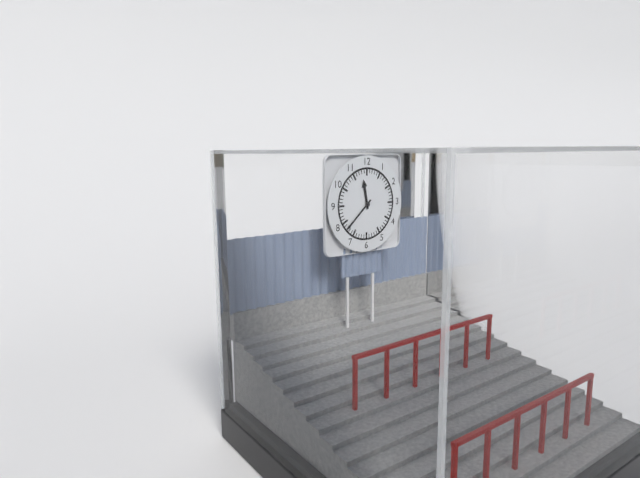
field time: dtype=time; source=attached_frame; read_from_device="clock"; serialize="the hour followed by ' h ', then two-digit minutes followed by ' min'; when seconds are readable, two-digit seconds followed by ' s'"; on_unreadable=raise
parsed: 11 h 38 min
